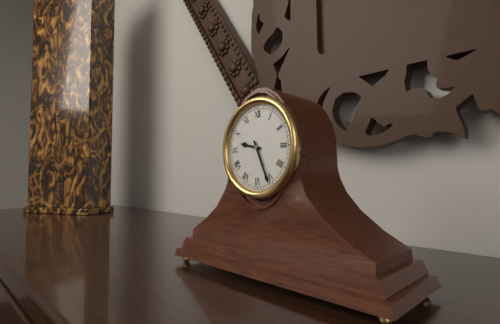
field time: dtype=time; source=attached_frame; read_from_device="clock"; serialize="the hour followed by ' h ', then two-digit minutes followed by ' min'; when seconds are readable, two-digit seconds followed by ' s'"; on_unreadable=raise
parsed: 9 h 26 min
